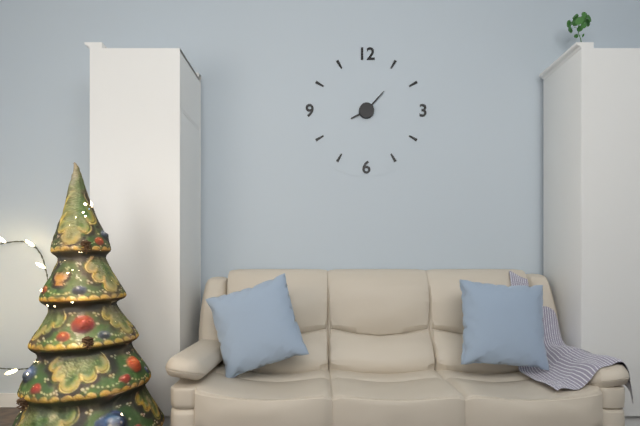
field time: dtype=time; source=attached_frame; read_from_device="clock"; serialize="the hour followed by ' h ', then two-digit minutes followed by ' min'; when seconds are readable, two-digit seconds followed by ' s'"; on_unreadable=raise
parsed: 8 h 07 min
